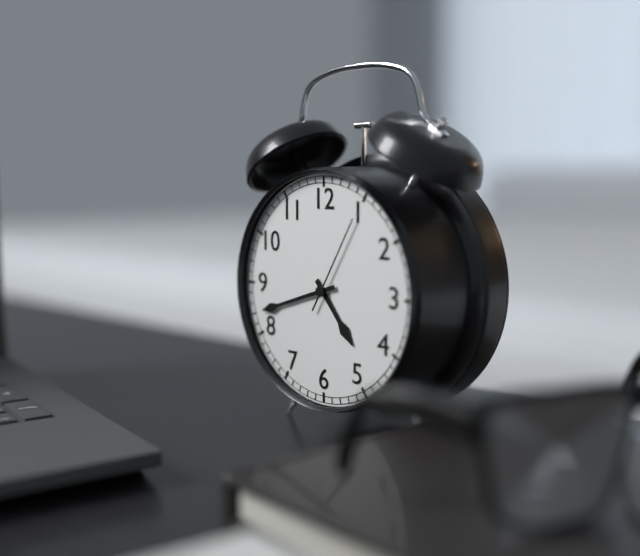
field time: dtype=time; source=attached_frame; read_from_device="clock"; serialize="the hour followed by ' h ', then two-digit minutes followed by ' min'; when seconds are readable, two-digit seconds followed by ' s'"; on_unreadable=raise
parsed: 4 h 42 min 05 s
